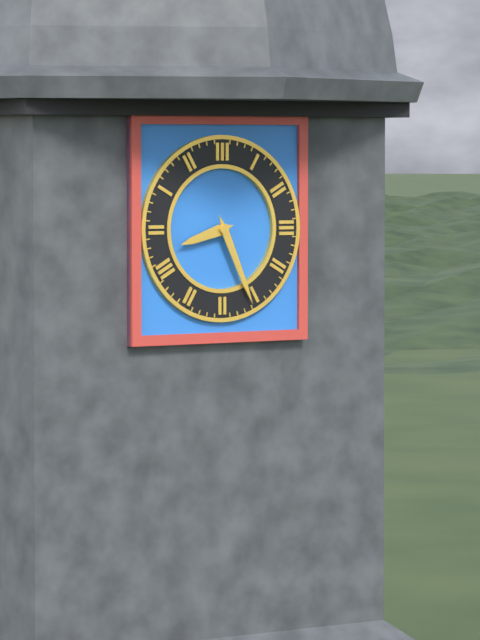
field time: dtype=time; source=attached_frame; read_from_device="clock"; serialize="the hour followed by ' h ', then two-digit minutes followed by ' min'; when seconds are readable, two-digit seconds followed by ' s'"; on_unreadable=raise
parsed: 8 h 26 min
